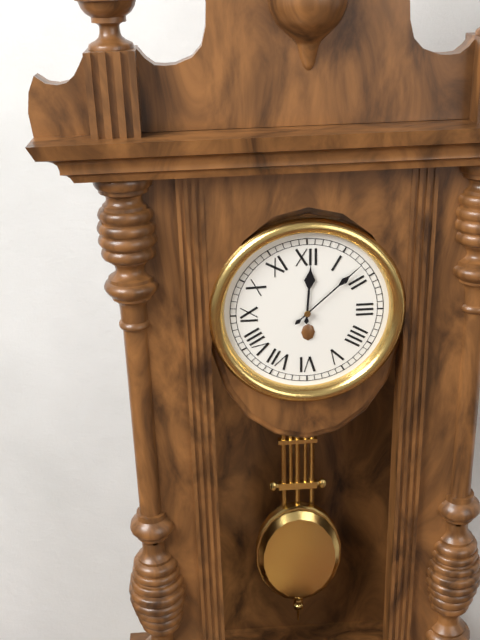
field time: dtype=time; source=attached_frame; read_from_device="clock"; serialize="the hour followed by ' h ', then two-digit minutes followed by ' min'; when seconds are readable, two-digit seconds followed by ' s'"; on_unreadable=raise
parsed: 12 h 08 min
